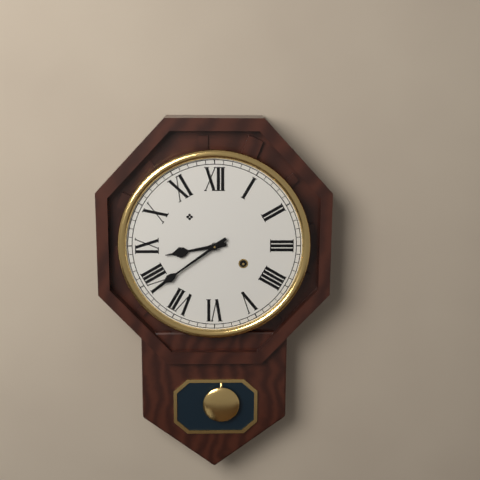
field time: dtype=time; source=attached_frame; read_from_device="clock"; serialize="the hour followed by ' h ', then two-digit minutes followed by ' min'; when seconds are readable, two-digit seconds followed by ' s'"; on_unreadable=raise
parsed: 8 h 39 min
